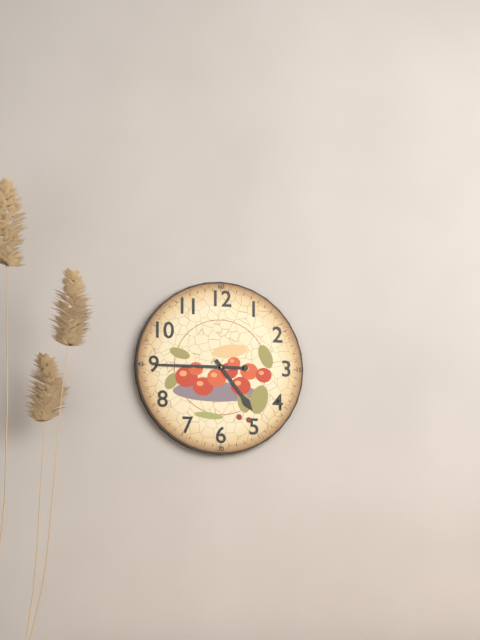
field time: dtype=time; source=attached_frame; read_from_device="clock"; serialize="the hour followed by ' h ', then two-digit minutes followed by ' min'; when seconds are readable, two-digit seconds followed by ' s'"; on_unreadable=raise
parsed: 4 h 45 min
